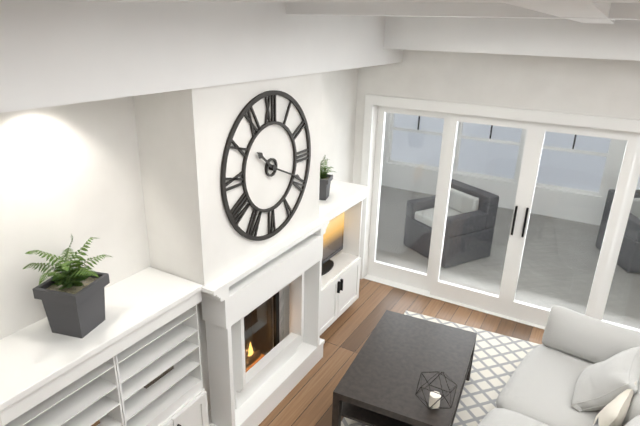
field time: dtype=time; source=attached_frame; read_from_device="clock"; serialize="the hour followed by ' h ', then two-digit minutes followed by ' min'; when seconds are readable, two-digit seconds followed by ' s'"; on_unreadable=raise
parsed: 10 h 19 min
